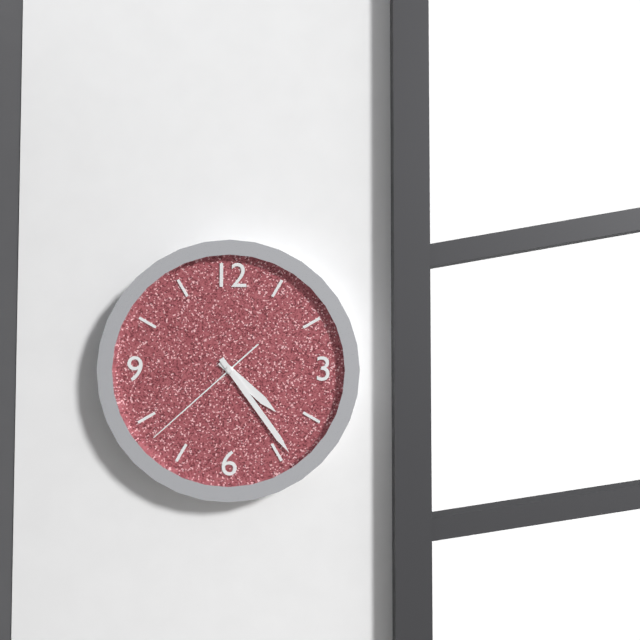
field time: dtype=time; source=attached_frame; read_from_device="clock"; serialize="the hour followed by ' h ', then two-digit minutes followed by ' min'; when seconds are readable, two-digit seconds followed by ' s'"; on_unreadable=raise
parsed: 4 h 24 min 38 s
